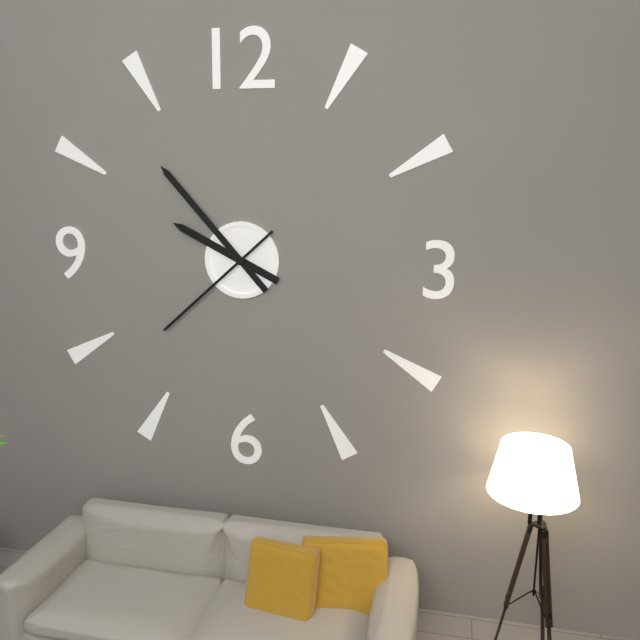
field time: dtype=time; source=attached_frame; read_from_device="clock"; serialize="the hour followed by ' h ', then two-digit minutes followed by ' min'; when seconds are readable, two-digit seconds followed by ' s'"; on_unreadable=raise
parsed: 9 h 53 min 38 s
